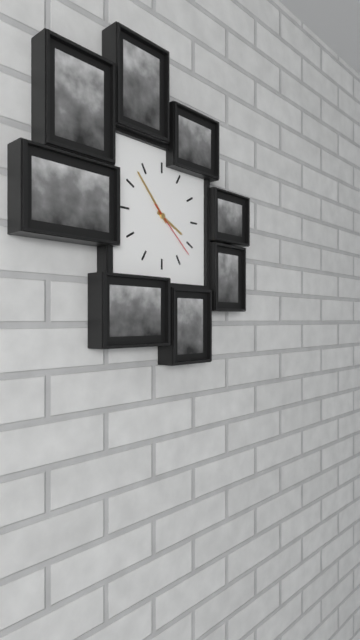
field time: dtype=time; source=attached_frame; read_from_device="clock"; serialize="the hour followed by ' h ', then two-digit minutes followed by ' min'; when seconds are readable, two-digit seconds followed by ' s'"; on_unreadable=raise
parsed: 3 h 53 min 22 s
